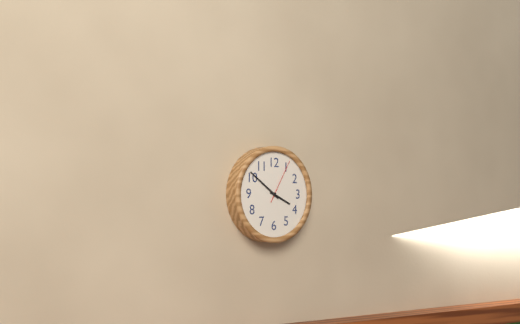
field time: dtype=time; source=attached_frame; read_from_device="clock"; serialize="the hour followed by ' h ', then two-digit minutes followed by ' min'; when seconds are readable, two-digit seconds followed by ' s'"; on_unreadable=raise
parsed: 3 h 51 min
